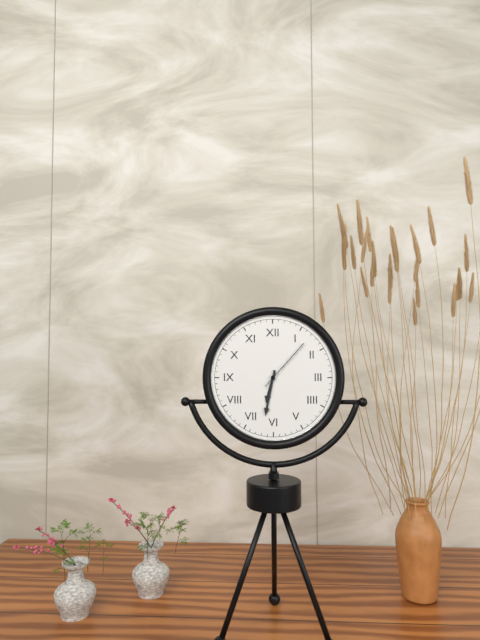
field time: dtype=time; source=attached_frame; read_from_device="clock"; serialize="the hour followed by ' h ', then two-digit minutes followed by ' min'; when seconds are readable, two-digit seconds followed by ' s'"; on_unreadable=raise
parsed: 6 h 32 min 07 s
